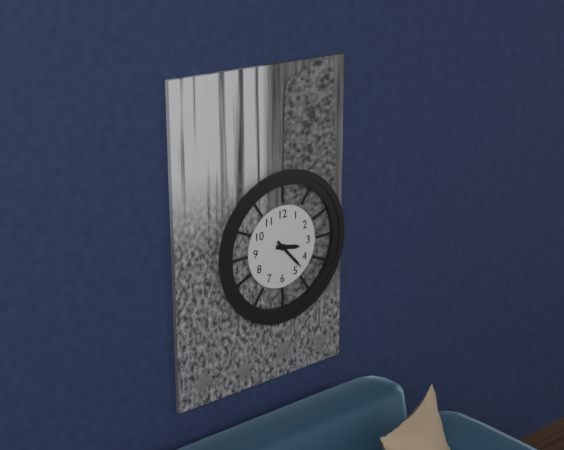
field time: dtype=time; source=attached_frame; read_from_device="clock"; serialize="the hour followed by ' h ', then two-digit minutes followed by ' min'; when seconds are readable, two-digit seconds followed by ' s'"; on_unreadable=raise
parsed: 3 h 23 min
